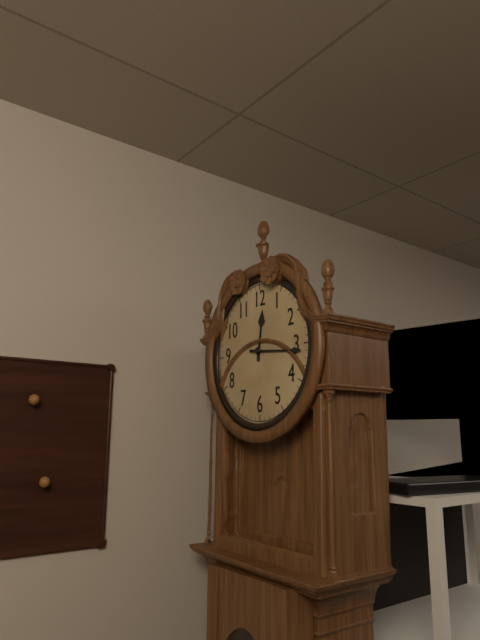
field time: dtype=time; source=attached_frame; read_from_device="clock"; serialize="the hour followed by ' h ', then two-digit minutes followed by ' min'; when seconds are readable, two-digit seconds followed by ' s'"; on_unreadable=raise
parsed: 12 h 16 min
